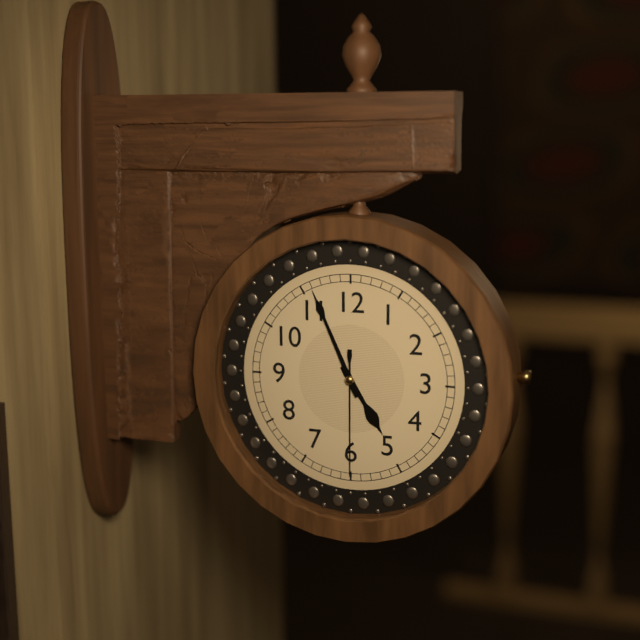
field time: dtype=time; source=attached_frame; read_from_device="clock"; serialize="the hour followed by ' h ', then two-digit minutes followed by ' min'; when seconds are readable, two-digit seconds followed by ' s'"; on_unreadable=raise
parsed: 4 h 56 min 30 s
